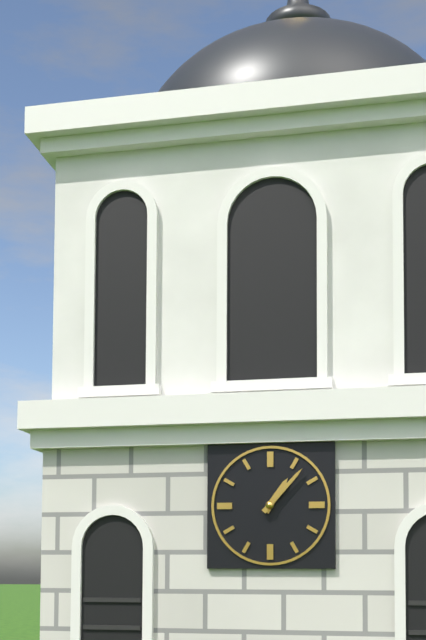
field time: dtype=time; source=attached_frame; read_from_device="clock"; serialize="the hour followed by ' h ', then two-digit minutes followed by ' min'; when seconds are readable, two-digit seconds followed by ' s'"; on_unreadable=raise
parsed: 1 h 07 min
